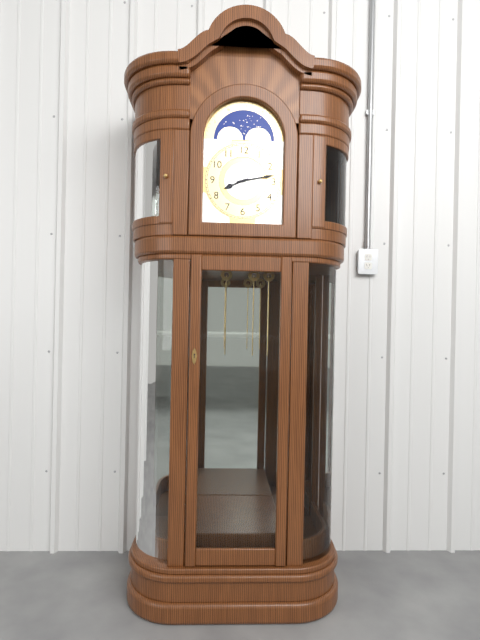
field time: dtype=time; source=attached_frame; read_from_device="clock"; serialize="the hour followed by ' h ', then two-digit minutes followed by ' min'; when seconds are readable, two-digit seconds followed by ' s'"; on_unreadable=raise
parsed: 8 h 13 min
